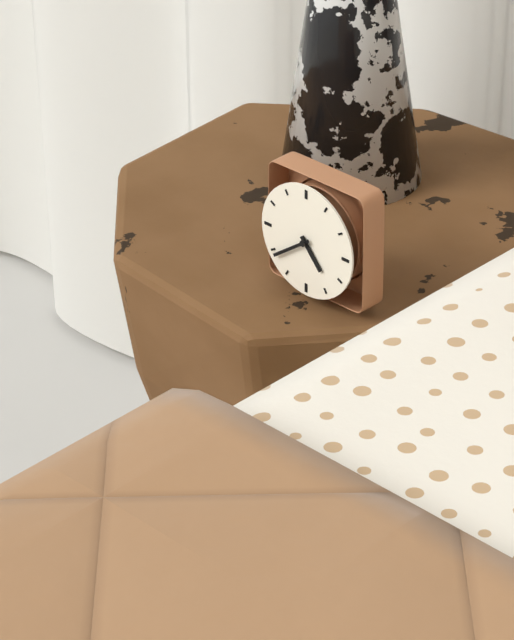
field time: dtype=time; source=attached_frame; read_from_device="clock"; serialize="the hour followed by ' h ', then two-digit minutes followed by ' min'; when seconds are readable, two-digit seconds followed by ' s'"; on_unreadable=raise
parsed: 4 h 39 min
